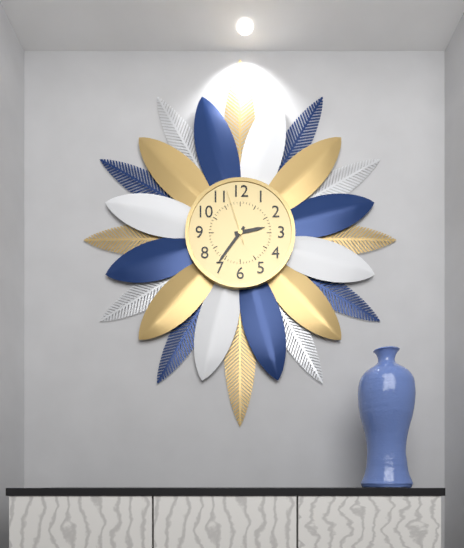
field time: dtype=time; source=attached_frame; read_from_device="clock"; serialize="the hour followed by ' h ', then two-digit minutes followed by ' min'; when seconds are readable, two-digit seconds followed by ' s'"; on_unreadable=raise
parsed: 2 h 36 min 57 s
